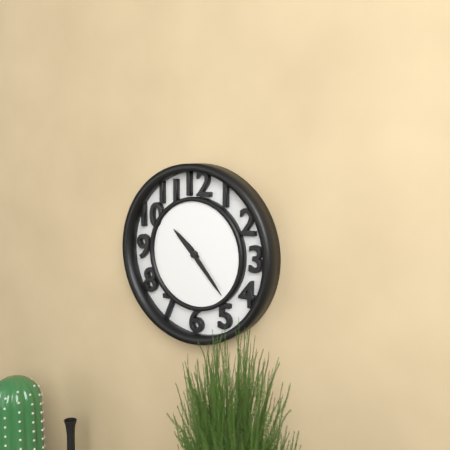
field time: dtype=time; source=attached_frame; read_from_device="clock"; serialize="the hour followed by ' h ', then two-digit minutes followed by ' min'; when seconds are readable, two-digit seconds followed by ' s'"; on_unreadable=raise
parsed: 10 h 23 min
